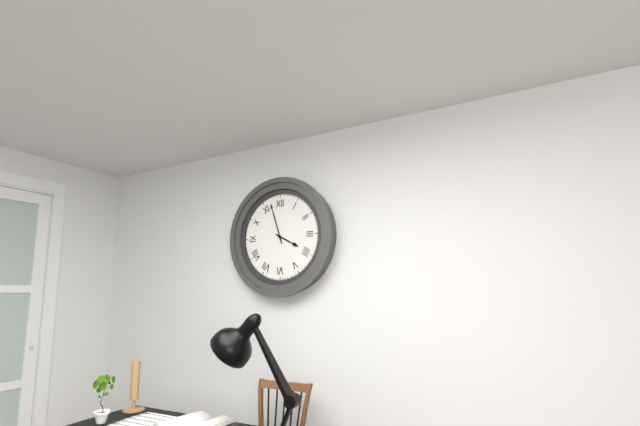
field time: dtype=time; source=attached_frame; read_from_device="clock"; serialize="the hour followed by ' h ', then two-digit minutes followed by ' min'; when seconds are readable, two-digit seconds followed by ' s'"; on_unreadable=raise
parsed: 3 h 57 min
